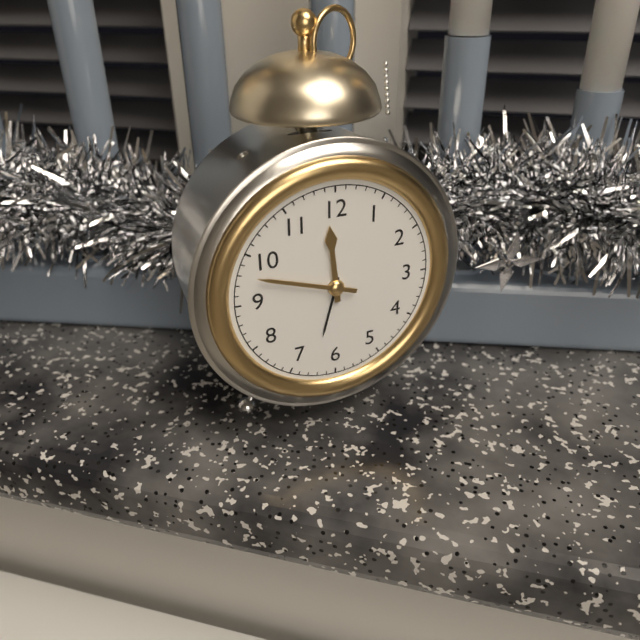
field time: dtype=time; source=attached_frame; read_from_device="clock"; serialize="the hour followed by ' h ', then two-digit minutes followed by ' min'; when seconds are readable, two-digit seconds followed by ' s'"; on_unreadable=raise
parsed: 11 h 48 min
